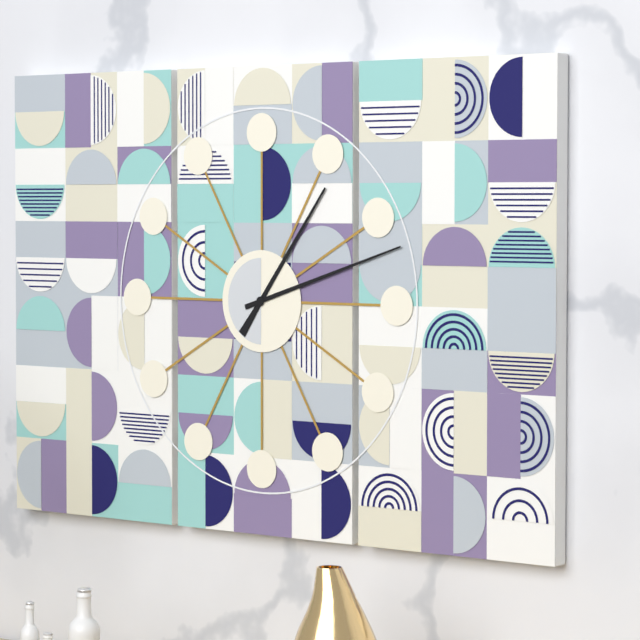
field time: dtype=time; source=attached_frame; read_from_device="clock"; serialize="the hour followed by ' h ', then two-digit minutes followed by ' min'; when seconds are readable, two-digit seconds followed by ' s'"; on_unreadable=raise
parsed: 1 h 12 min
